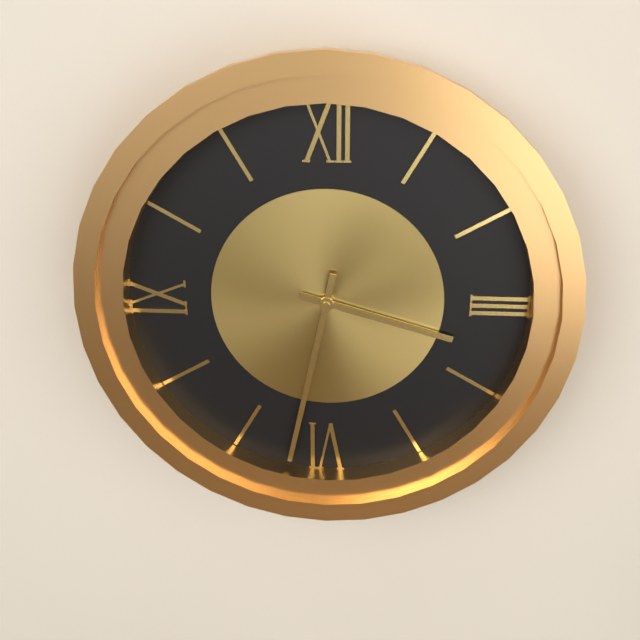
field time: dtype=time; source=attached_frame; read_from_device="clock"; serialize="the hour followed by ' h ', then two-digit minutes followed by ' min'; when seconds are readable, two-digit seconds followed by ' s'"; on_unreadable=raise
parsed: 3 h 32 min
